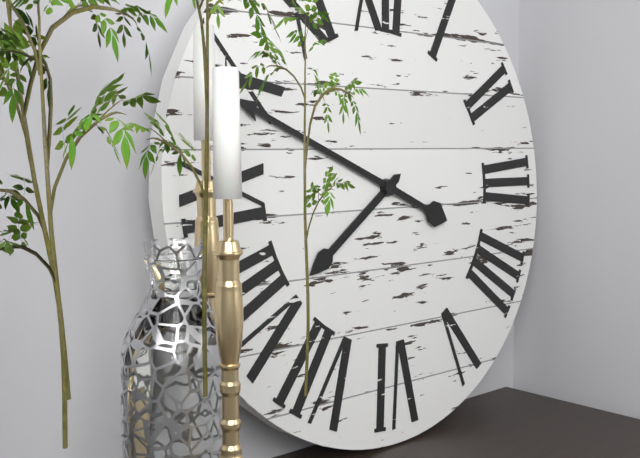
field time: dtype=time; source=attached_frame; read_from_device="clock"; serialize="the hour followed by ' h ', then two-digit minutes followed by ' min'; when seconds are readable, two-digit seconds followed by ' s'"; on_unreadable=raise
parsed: 7 h 49 min
